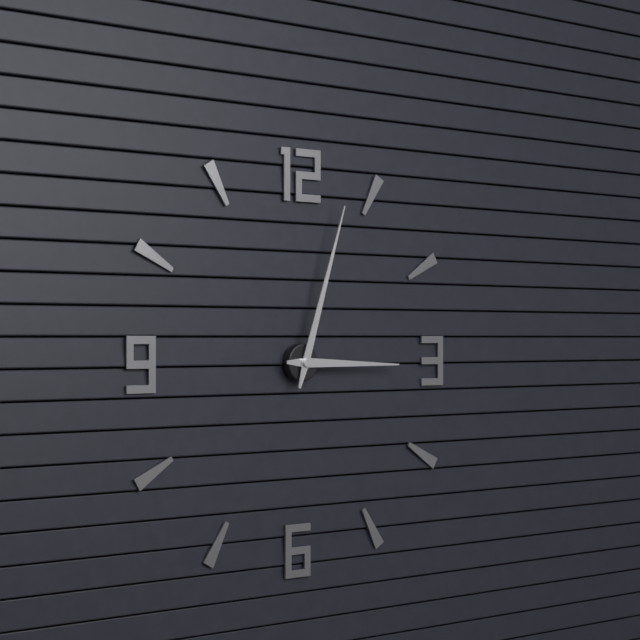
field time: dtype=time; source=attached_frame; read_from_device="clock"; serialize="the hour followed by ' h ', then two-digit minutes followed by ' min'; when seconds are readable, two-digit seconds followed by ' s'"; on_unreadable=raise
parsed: 3 h 03 min
